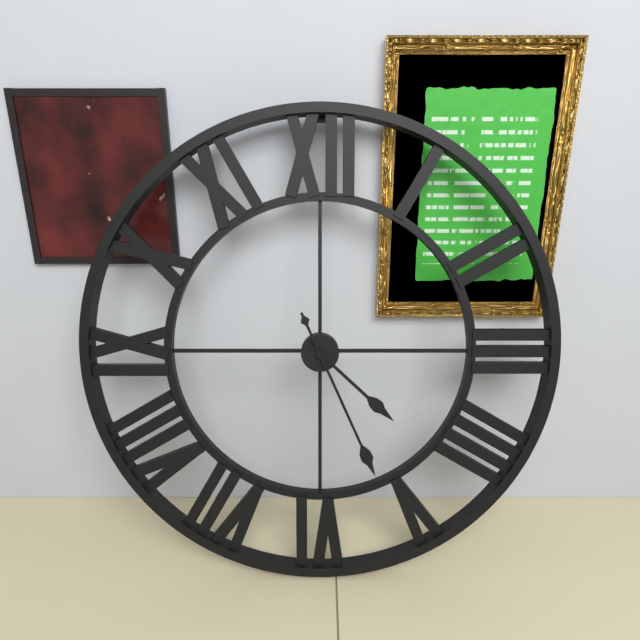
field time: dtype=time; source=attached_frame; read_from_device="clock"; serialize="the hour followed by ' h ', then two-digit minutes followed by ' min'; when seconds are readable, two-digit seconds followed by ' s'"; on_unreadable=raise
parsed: 4 h 26 min
